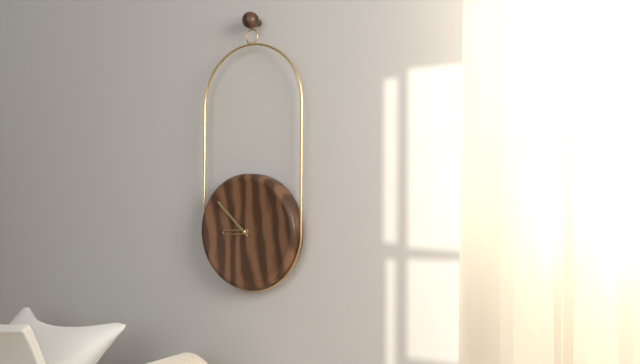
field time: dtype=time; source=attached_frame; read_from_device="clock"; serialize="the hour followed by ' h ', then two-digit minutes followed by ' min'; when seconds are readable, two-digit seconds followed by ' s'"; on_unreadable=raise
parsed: 8 h 52 min
